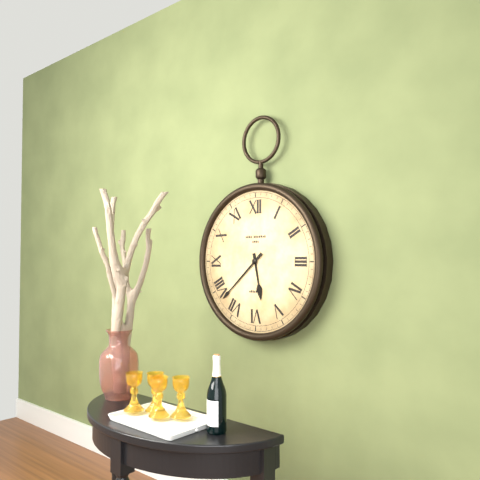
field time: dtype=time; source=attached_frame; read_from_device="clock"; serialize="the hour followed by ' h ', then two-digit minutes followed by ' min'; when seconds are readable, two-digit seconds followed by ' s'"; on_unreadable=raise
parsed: 5 h 38 min
